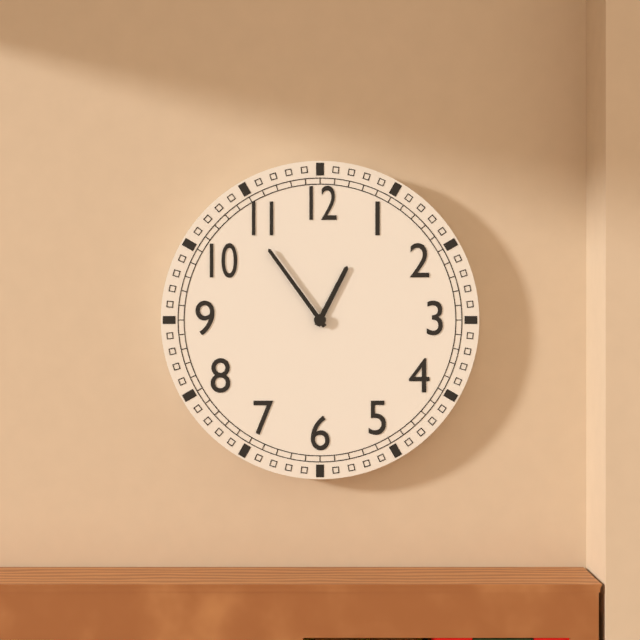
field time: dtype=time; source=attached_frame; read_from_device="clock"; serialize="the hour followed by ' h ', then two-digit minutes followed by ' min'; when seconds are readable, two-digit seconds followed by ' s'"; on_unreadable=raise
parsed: 12 h 54 min
